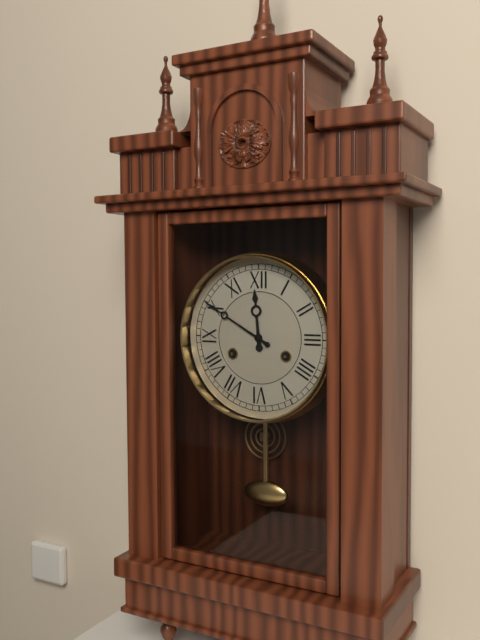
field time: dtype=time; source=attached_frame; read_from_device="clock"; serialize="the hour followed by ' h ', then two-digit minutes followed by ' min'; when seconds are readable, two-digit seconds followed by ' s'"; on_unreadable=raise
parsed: 11 h 50 min
